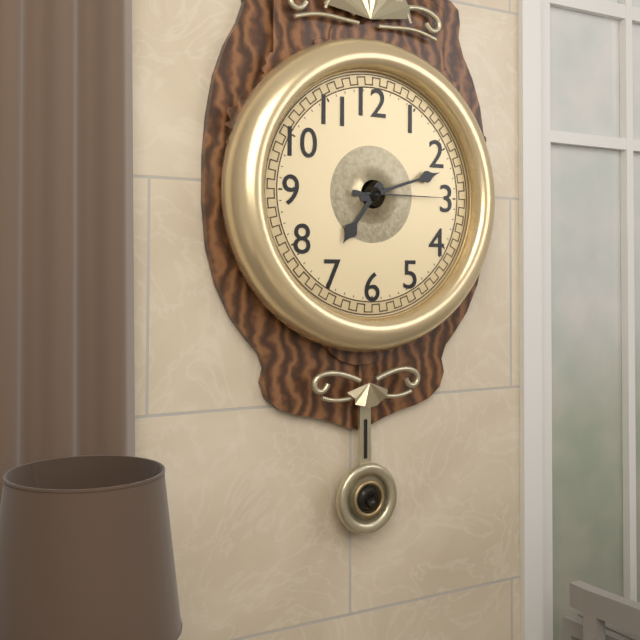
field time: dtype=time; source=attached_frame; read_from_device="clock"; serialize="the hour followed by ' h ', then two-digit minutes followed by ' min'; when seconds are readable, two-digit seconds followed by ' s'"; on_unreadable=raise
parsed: 7 h 12 min 15 s
